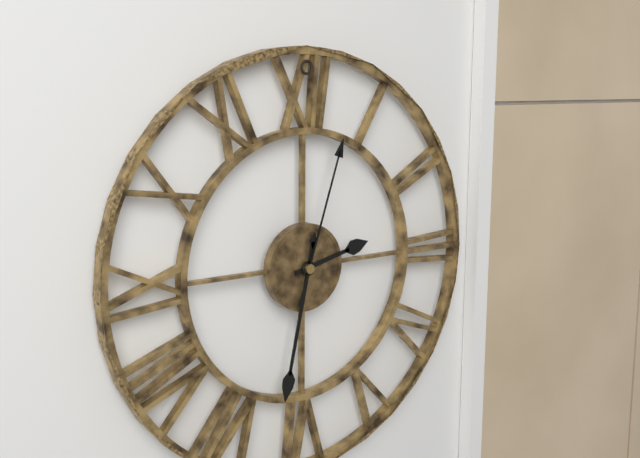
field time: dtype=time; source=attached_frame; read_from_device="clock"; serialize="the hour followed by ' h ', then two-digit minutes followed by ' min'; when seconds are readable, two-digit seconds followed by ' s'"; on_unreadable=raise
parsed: 2 h 32 min 03 s
